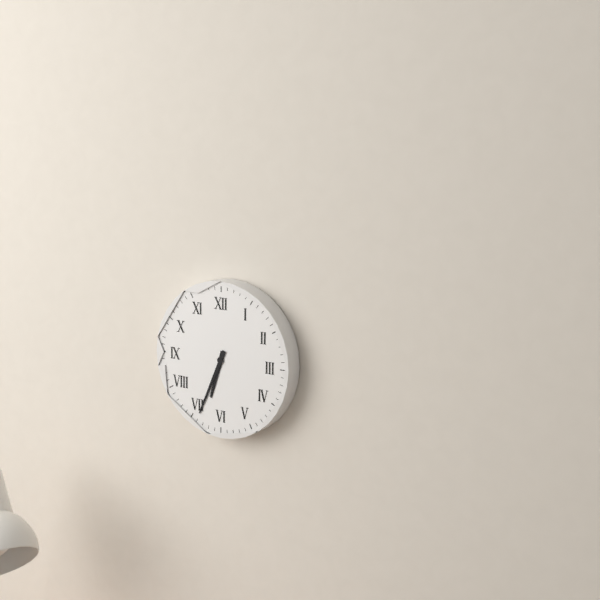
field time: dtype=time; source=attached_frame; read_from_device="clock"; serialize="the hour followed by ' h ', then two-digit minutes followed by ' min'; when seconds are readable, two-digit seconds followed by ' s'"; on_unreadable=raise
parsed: 6 h 34 min
